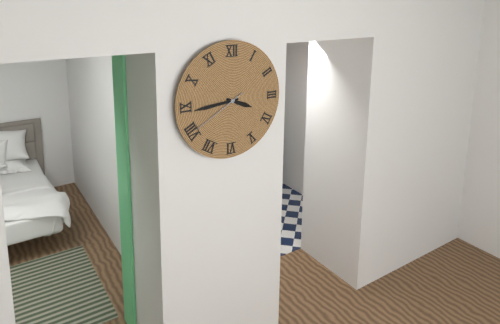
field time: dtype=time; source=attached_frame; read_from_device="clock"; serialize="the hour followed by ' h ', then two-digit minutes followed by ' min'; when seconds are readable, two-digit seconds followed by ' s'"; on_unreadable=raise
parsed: 3 h 44 min 40 s
